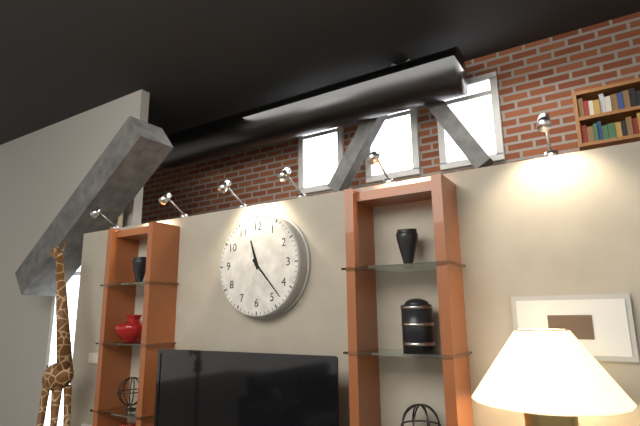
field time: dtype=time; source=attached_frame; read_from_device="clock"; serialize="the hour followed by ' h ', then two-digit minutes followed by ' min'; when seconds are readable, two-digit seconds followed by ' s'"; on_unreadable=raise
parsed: 11 h 23 min
